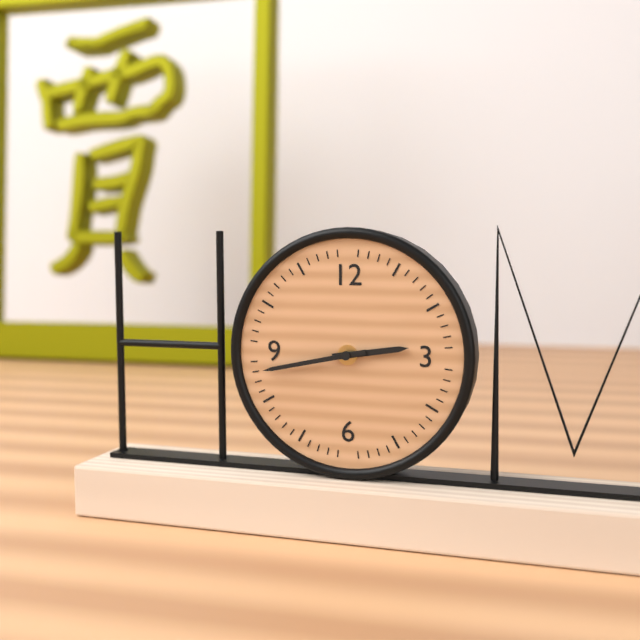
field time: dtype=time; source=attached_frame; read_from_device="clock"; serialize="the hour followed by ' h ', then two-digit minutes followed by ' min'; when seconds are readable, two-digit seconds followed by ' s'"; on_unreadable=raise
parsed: 2 h 43 min
